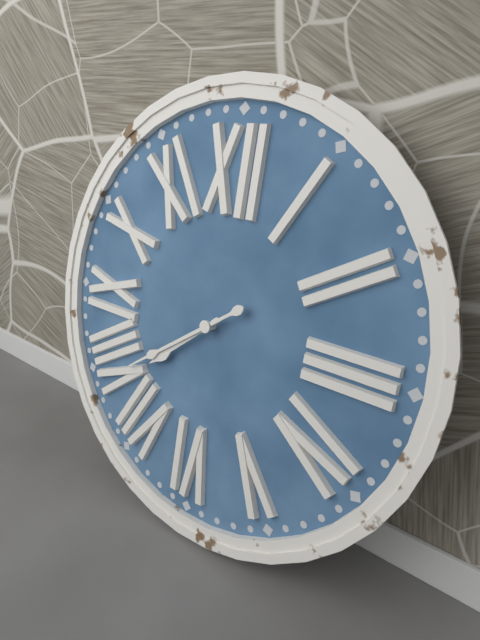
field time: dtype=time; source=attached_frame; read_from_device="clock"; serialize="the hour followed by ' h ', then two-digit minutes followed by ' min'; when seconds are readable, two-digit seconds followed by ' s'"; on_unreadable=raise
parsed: 7 h 39 min
